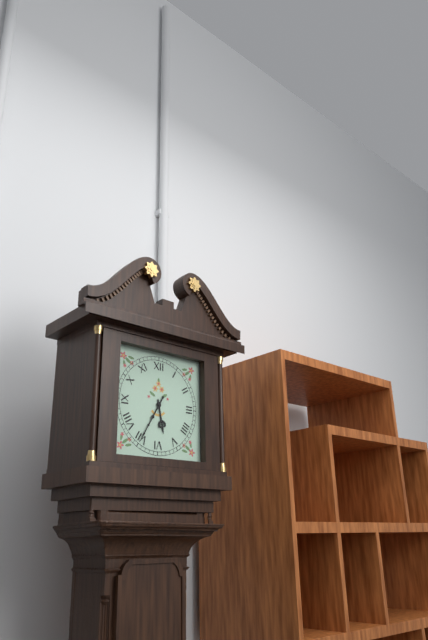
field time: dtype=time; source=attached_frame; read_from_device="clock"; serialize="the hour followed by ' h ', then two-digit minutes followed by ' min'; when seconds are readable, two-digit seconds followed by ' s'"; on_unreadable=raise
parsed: 5 h 35 min
